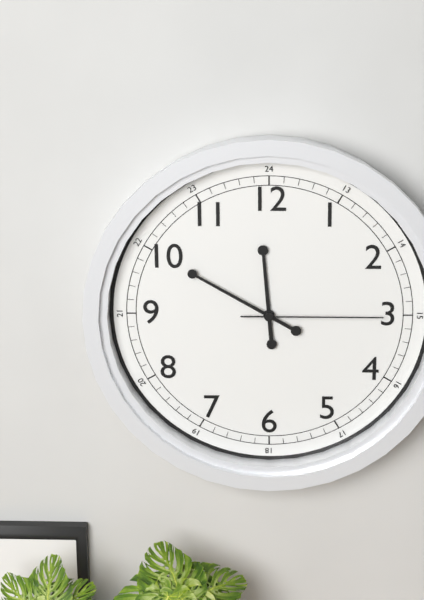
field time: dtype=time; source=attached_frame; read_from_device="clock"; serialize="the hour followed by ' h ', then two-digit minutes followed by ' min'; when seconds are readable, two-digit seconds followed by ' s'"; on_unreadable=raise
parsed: 11 h 50 min 15 s
